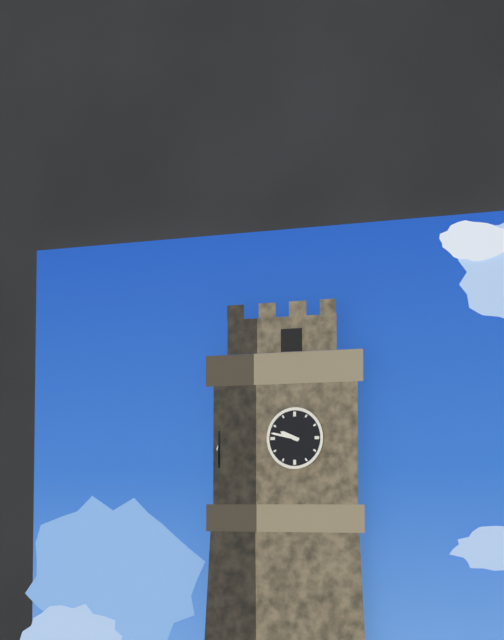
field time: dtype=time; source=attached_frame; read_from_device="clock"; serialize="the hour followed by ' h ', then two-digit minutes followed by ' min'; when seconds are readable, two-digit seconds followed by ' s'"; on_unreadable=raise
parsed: 9 h 47 min
